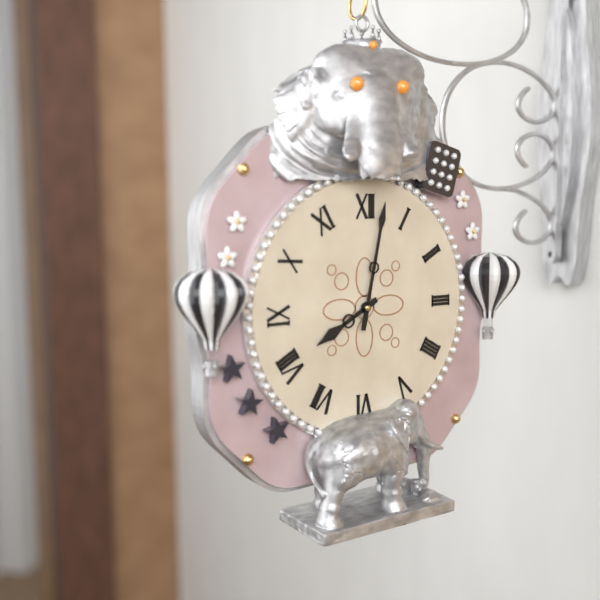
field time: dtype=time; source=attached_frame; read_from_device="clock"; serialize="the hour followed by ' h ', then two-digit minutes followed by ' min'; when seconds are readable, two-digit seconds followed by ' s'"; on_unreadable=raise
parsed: 8 h 02 min
